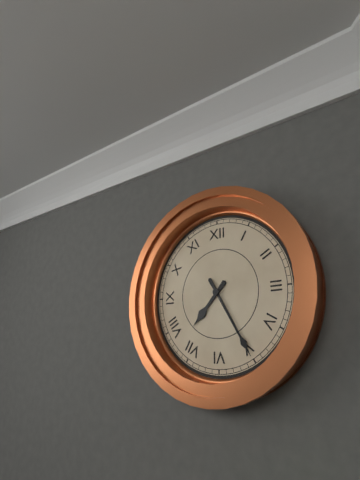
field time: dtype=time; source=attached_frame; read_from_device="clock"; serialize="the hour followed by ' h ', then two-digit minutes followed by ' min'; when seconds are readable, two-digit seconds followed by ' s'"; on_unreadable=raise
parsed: 7 h 25 min
